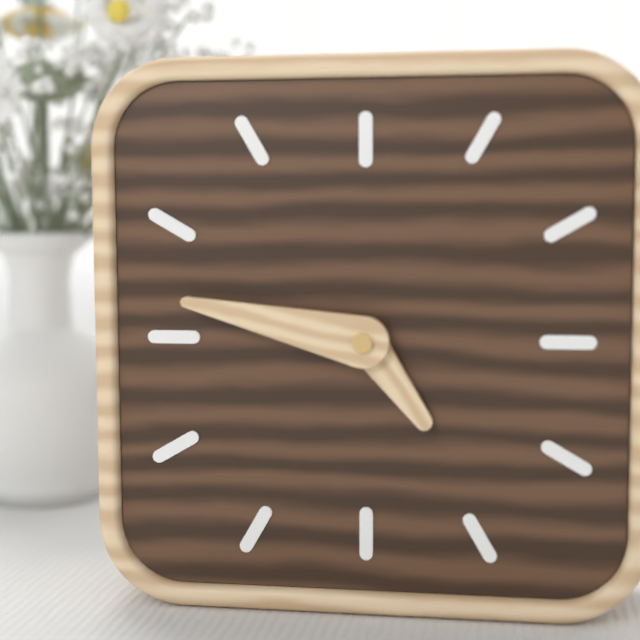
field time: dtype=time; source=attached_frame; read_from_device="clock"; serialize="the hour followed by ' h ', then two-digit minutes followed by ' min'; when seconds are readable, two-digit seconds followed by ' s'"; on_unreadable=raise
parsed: 4 h 47 min
